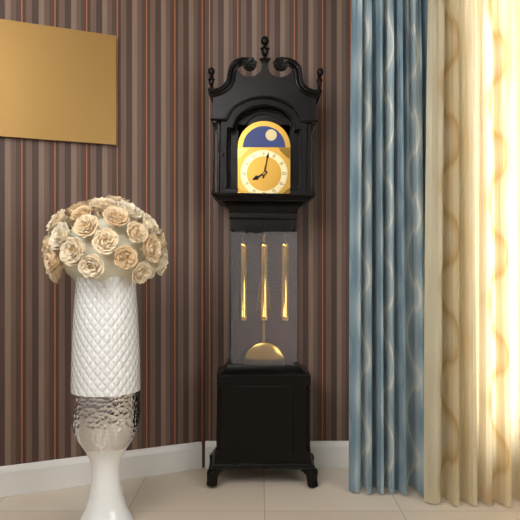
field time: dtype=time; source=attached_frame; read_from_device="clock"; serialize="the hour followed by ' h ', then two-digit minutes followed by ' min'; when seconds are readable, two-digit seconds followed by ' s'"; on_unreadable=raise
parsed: 8 h 02 min
